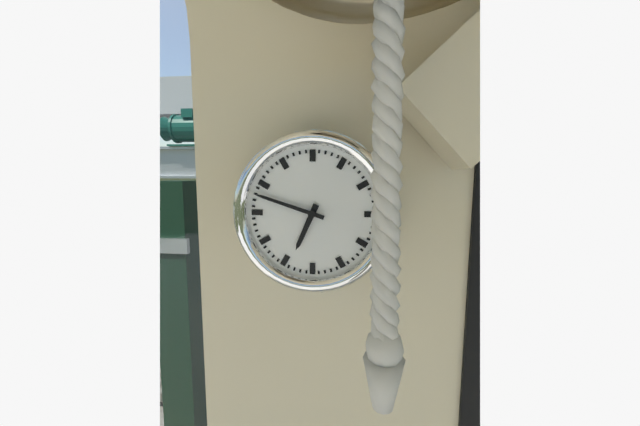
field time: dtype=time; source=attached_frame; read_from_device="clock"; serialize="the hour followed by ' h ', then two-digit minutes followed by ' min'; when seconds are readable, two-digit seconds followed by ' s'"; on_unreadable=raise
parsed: 6 h 48 min
